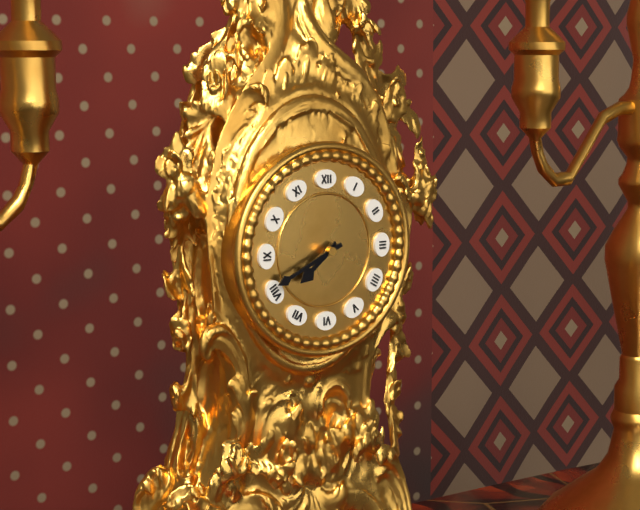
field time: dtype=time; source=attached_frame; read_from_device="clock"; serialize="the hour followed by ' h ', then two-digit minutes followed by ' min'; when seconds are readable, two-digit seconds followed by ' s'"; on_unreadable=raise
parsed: 7 h 41 min
